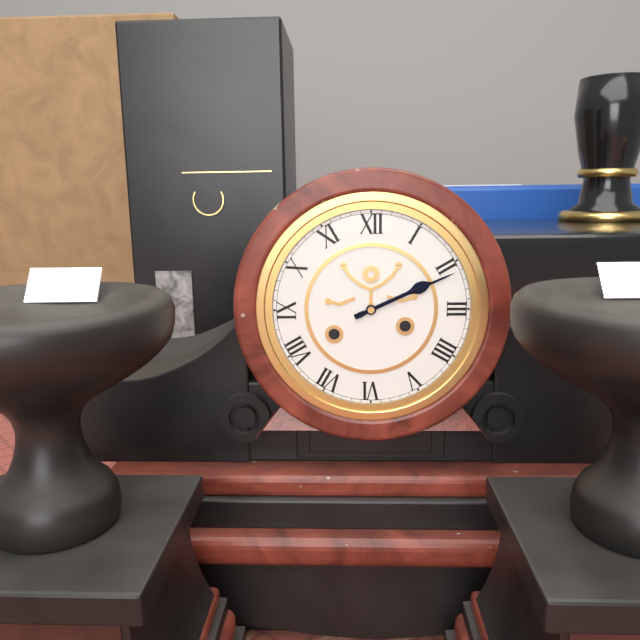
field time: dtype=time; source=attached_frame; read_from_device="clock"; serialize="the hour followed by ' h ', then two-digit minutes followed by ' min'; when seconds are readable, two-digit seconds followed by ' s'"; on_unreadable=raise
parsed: 2 h 11 min
